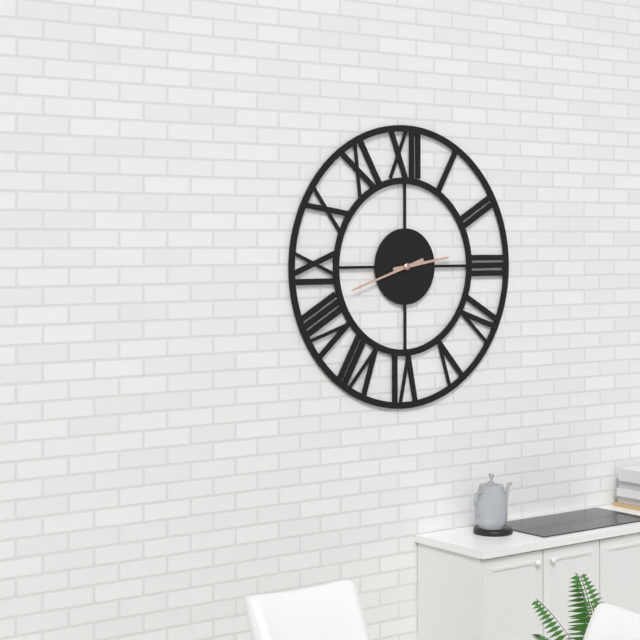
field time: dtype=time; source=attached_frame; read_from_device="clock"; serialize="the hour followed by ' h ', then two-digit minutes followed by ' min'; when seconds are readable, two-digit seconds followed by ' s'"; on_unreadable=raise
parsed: 2 h 42 min
